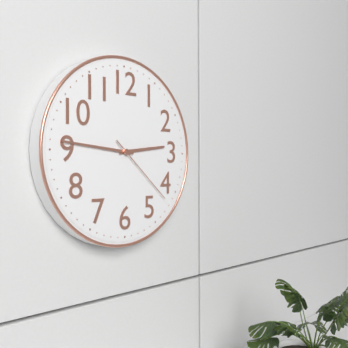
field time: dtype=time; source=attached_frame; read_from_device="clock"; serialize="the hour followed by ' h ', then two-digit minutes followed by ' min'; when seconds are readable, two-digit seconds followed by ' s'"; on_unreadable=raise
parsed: 2 h 46 min 22 s
